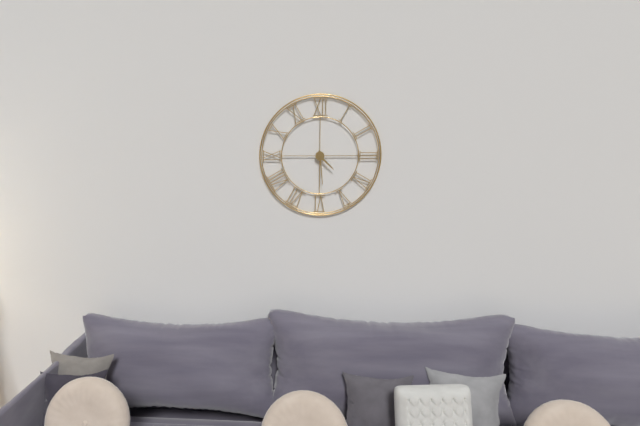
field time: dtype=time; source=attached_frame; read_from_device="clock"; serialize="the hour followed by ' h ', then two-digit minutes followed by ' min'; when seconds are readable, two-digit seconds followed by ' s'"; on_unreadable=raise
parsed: 4 h 29 min
